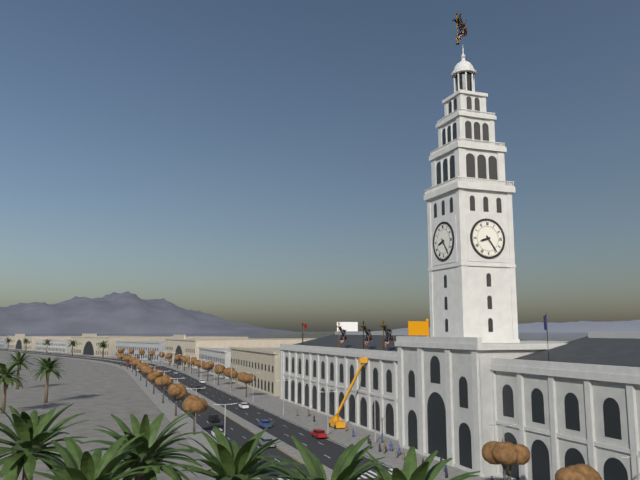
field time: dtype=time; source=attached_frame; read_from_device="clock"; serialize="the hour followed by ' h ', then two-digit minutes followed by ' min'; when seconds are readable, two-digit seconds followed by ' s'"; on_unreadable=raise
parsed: 8 h 24 min
